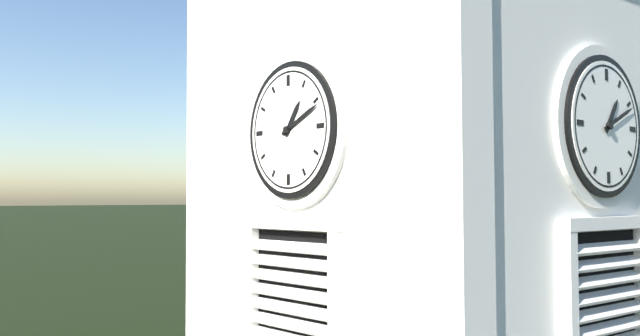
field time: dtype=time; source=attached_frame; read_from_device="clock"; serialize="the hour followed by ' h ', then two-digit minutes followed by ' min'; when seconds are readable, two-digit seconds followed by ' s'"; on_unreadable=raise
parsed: 1 h 11 min
